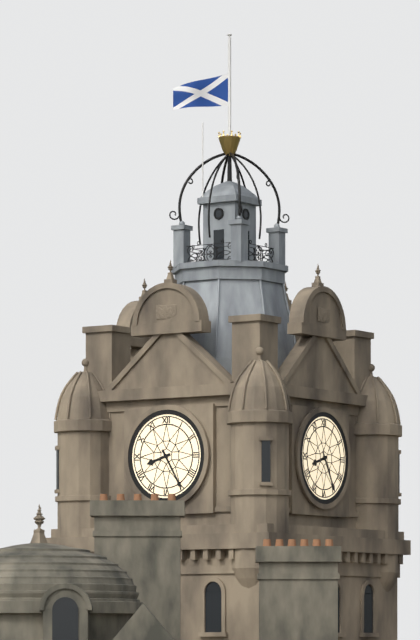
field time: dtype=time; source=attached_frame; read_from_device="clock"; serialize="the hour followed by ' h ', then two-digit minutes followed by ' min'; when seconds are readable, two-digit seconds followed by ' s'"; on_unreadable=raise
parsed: 8 h 25 min
